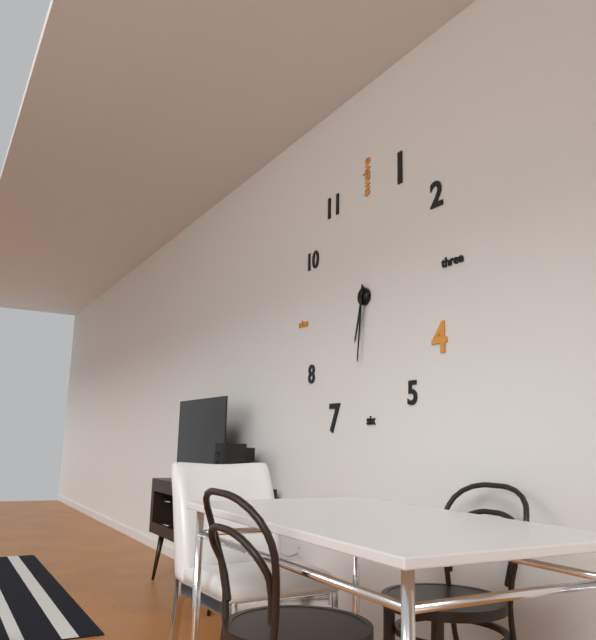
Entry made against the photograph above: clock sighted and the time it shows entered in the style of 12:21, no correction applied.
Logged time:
6:31
